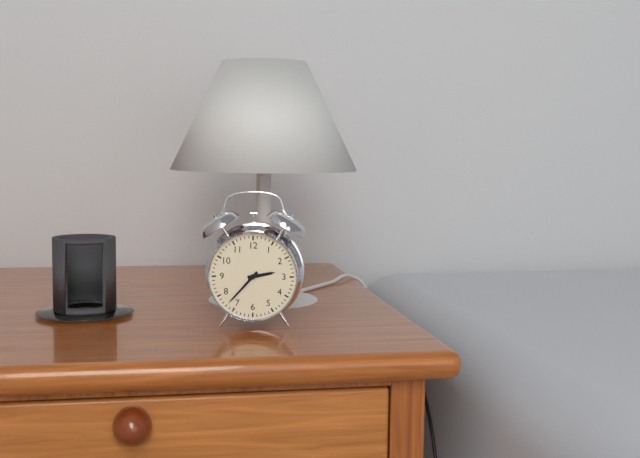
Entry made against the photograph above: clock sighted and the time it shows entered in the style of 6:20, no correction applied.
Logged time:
2:37
